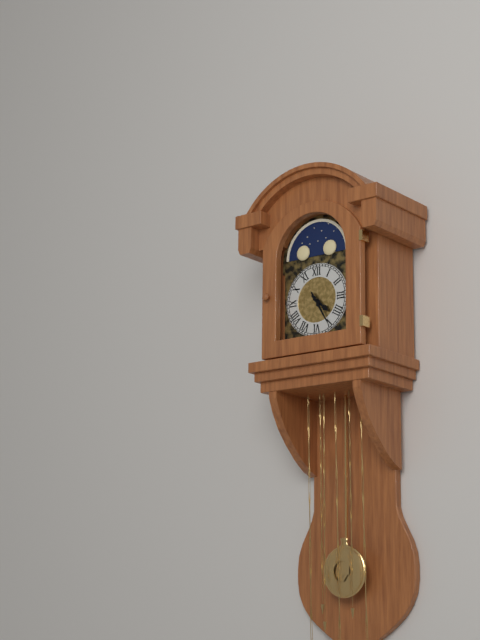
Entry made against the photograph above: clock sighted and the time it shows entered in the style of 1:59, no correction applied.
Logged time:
4:25
